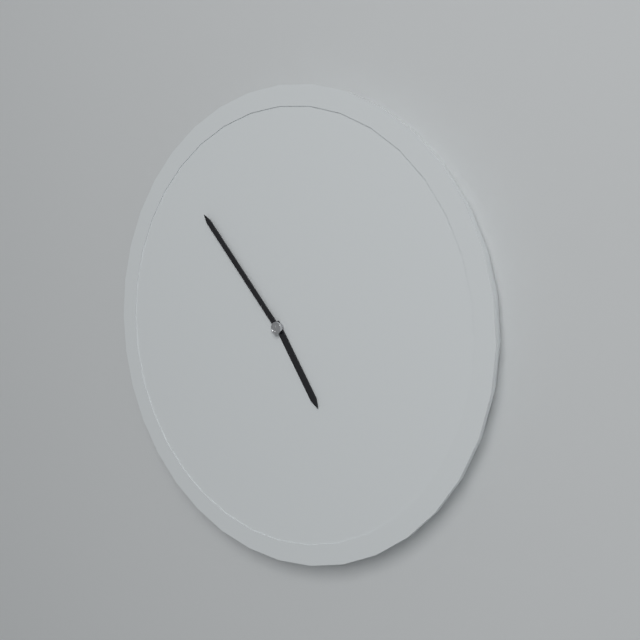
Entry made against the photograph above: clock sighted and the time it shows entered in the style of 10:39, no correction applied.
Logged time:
4:53
